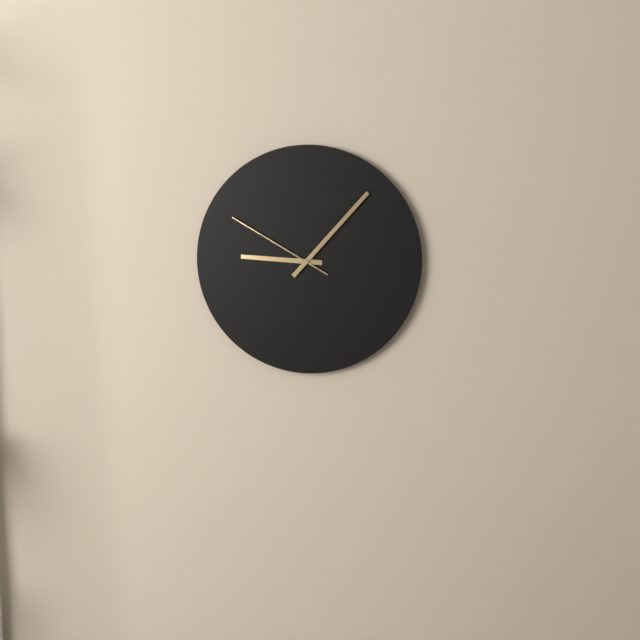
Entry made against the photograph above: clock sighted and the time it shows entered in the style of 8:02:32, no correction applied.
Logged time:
9:07:50
